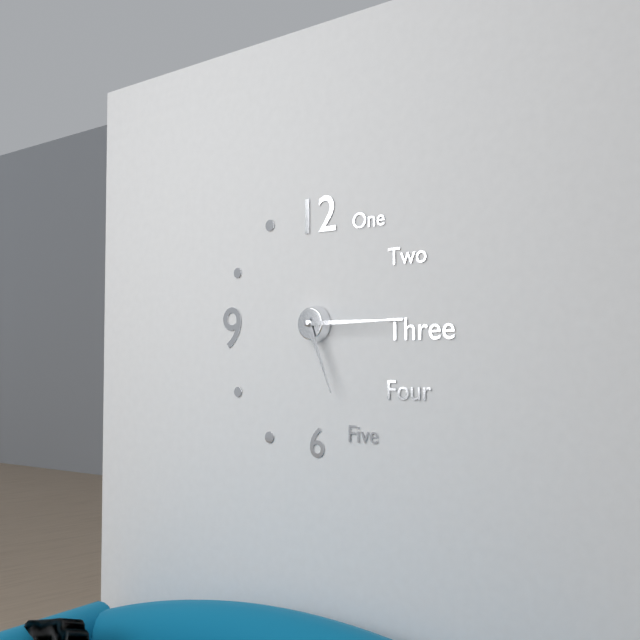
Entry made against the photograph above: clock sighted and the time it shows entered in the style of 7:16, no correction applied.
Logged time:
5:15
